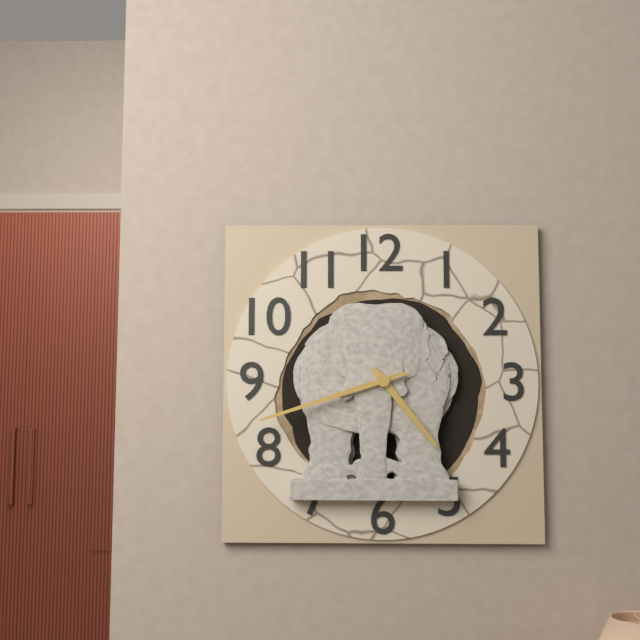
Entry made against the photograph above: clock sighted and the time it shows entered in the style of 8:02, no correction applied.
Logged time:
4:42
